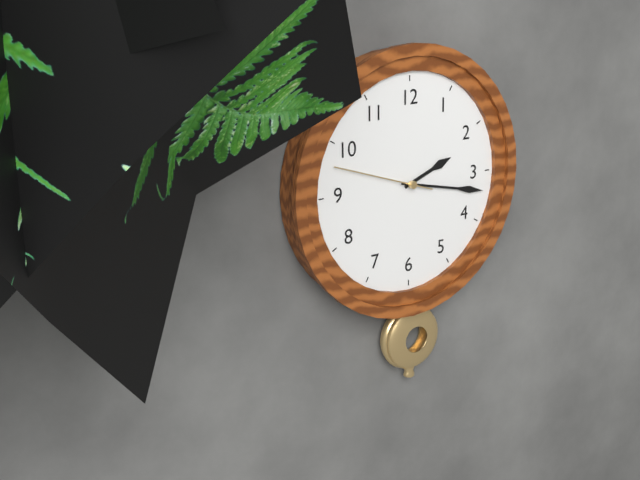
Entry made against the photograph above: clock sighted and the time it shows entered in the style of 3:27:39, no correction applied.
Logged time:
2:17:48
